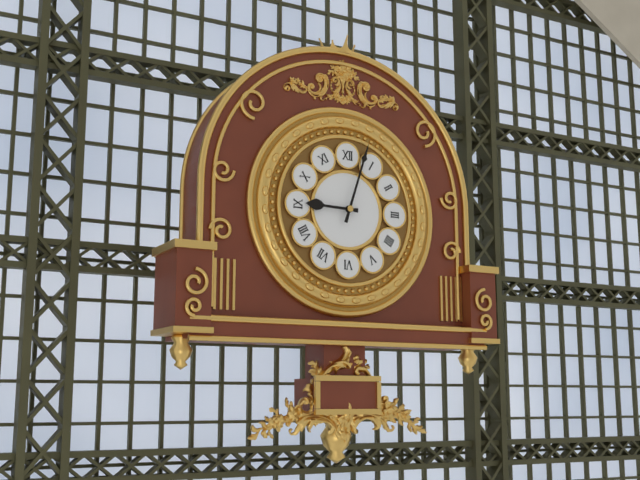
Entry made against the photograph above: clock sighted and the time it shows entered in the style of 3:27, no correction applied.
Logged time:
9:03
